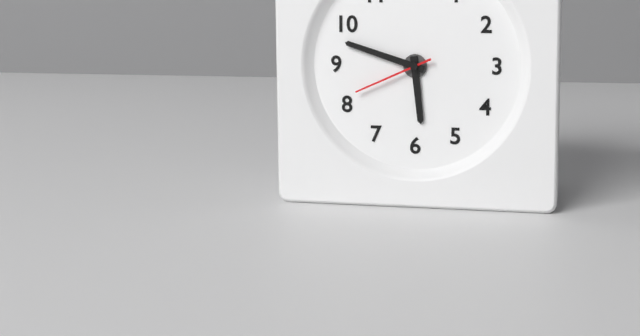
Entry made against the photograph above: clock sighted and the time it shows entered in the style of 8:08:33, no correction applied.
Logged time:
5:48:41
